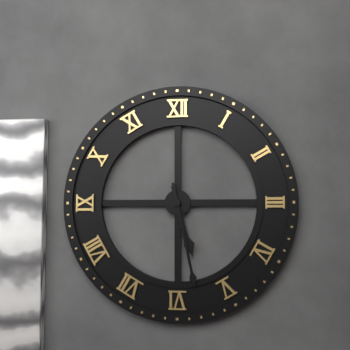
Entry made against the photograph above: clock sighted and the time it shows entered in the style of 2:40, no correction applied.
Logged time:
5:28
